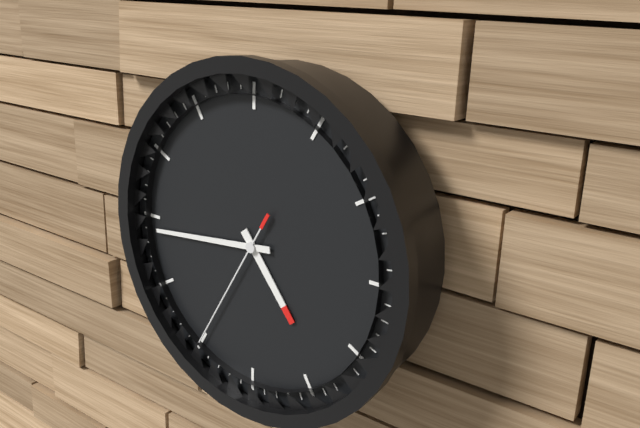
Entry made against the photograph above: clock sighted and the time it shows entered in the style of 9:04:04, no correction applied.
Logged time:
4:44:35
